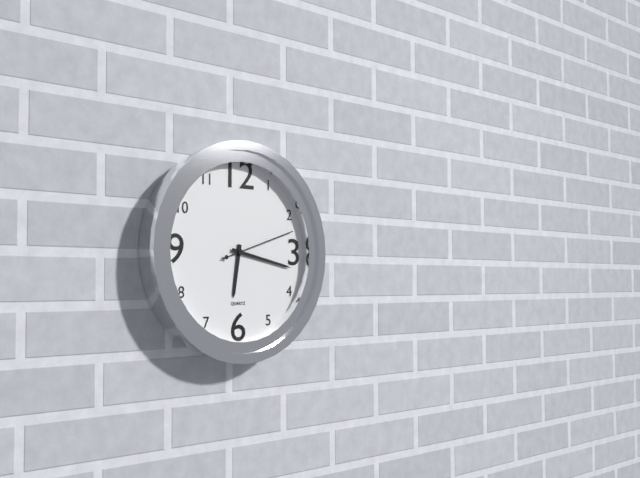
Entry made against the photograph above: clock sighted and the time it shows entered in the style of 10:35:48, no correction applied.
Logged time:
6:17:12
